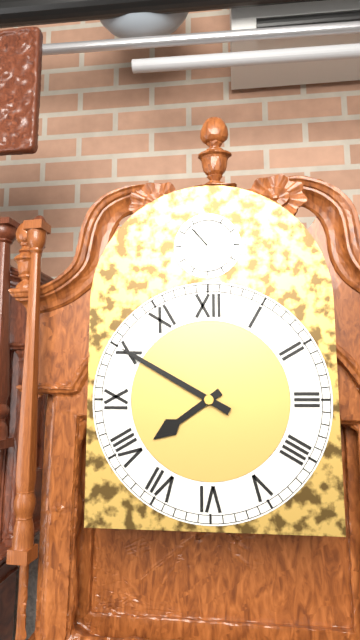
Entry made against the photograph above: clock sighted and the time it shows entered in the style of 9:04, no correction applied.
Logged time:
7:50
